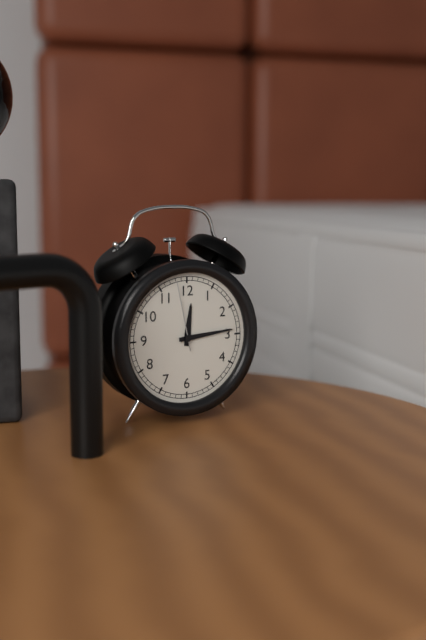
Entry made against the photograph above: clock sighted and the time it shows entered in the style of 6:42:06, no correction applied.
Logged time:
12:14:58
